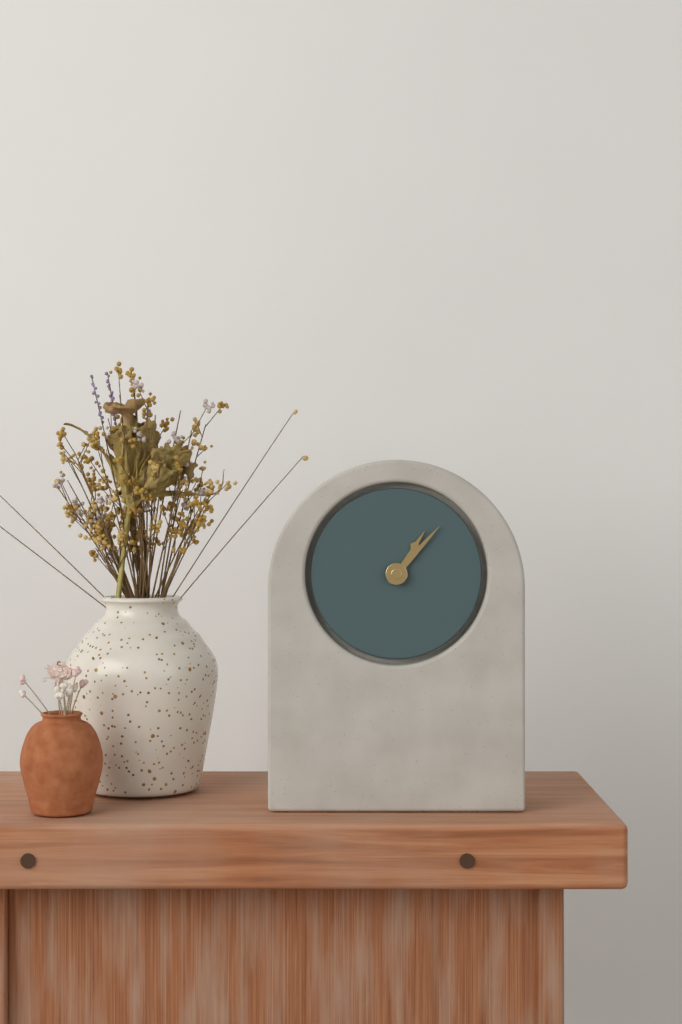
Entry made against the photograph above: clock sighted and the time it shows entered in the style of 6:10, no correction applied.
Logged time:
1:07
